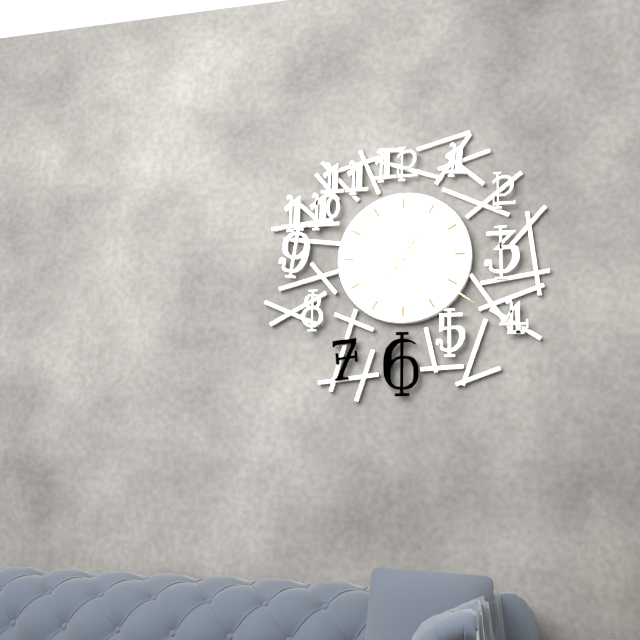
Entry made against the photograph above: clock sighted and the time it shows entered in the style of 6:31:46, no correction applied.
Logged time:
1:21:36
